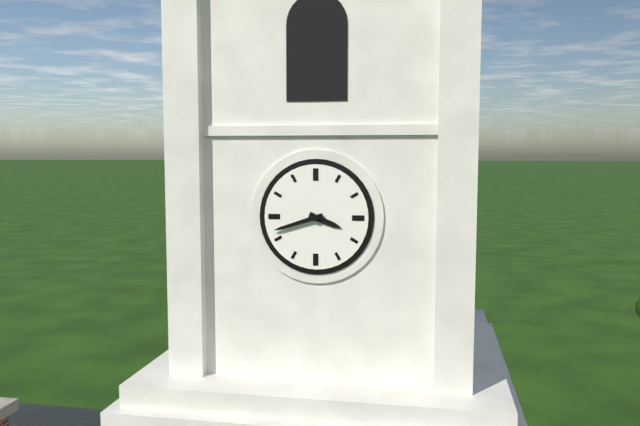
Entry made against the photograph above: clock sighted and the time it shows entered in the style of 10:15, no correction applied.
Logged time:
3:42
